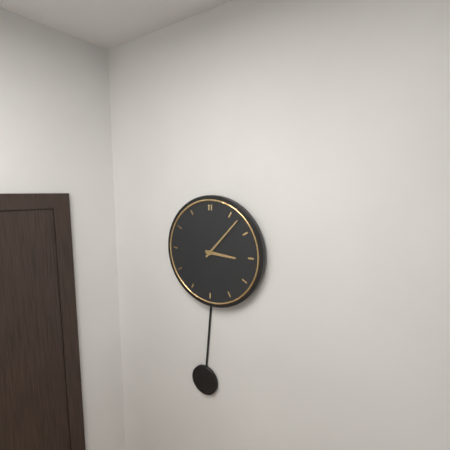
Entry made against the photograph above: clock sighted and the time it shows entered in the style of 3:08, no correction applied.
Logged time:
3:07
